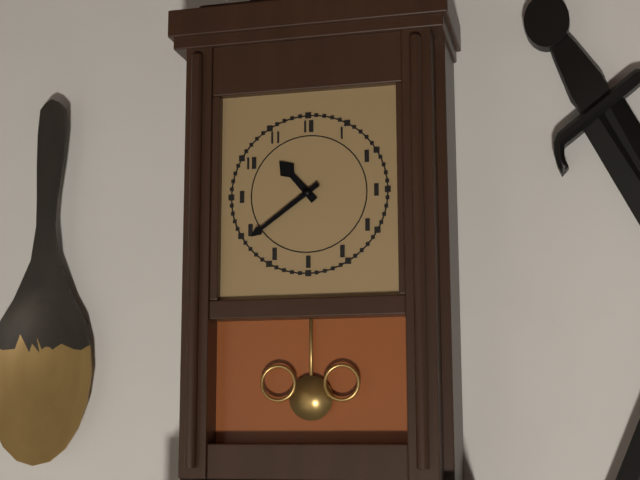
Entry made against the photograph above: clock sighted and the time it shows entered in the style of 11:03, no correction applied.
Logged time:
10:39
